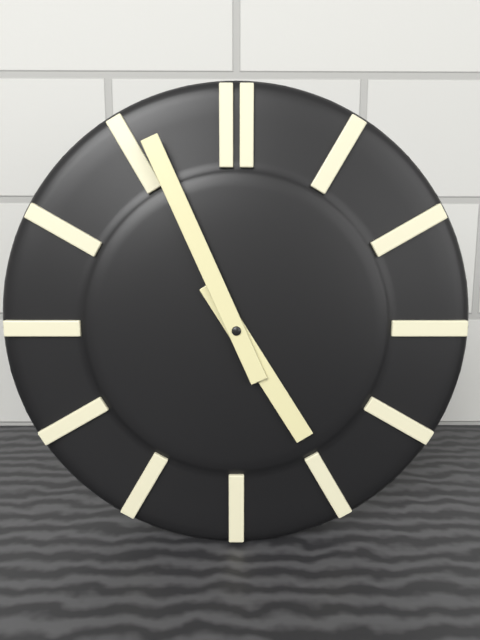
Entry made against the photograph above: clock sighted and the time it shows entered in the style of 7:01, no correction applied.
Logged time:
4:56
